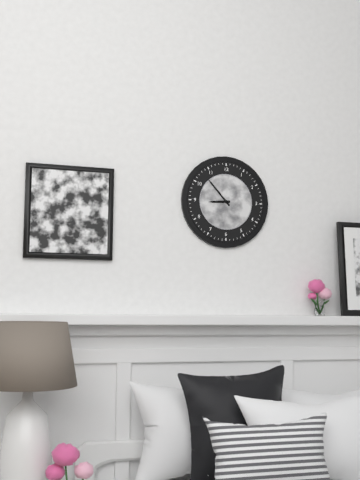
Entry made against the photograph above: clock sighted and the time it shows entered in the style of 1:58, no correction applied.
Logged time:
8:53
